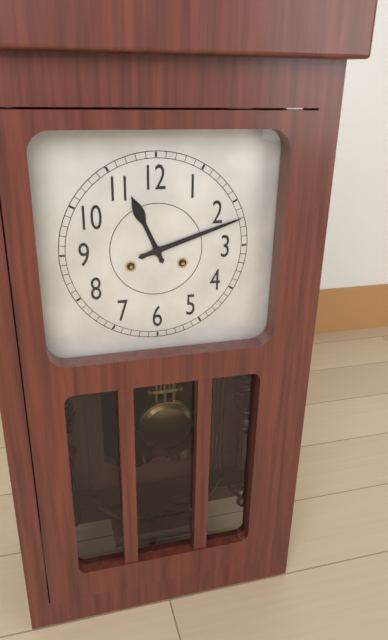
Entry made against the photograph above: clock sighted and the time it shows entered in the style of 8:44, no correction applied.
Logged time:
11:12
